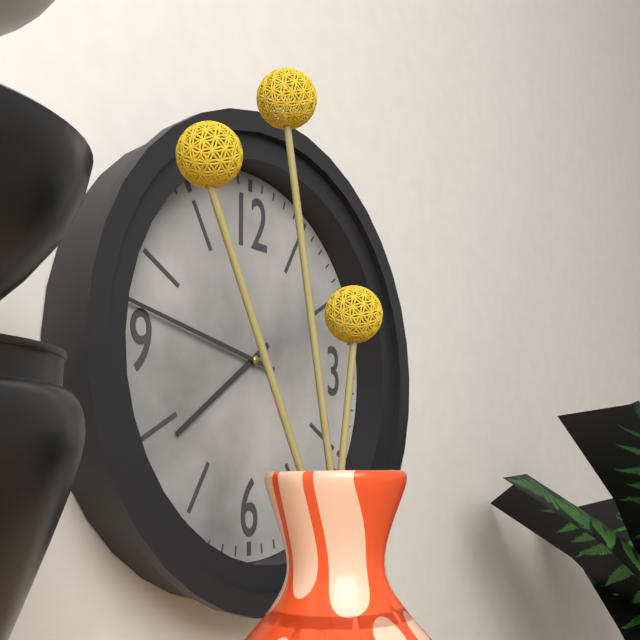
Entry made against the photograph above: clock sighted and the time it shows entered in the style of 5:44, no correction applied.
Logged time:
7:47
